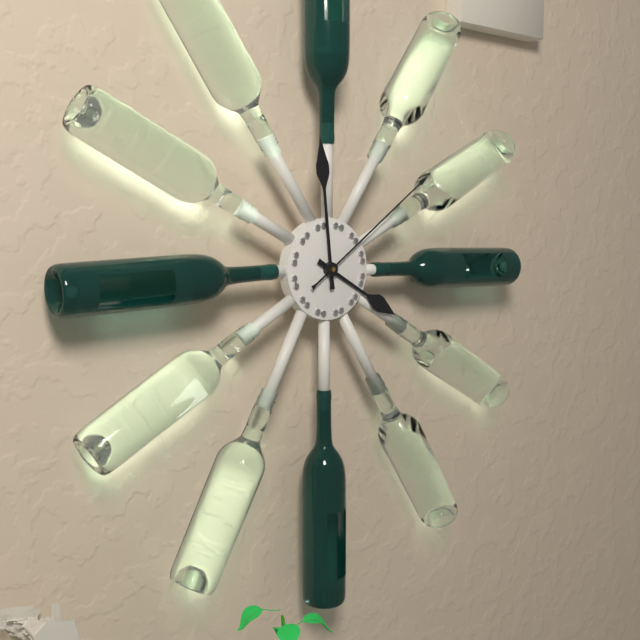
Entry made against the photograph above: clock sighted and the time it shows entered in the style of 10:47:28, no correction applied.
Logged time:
3:59:09
